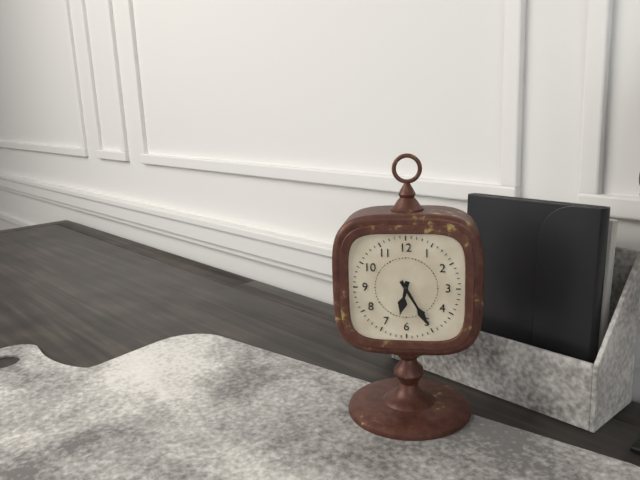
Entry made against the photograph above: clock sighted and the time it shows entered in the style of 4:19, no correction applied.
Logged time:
6:25
